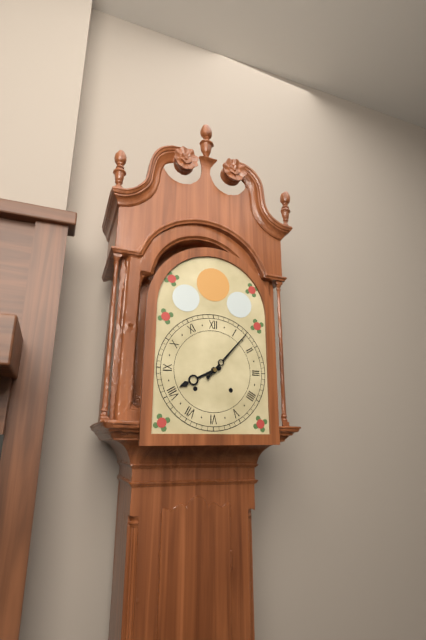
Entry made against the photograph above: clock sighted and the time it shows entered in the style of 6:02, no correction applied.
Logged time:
8:07
